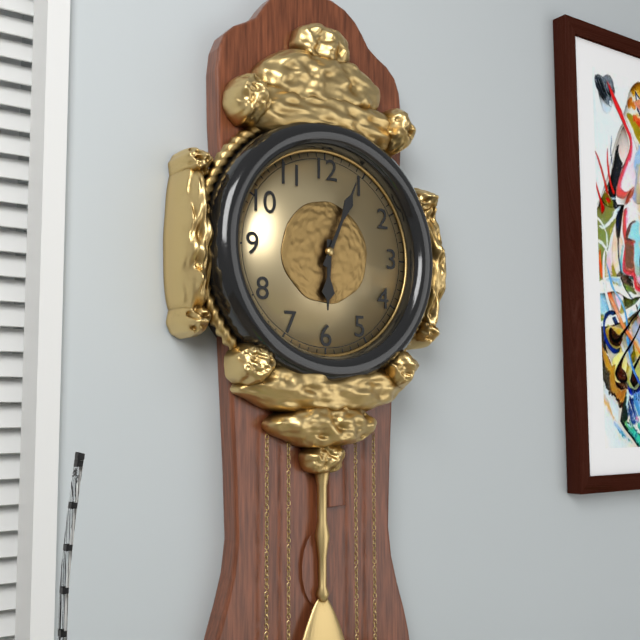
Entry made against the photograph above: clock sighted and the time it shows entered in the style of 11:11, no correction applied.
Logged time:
6:04
